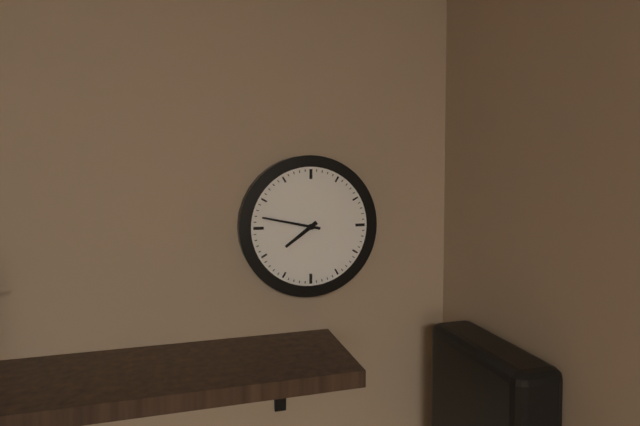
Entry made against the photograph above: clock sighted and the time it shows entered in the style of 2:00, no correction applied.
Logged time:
7:47
